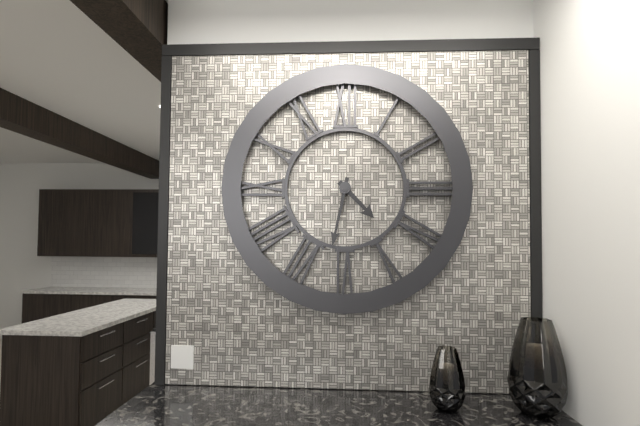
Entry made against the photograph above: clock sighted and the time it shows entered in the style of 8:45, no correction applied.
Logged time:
4:32
